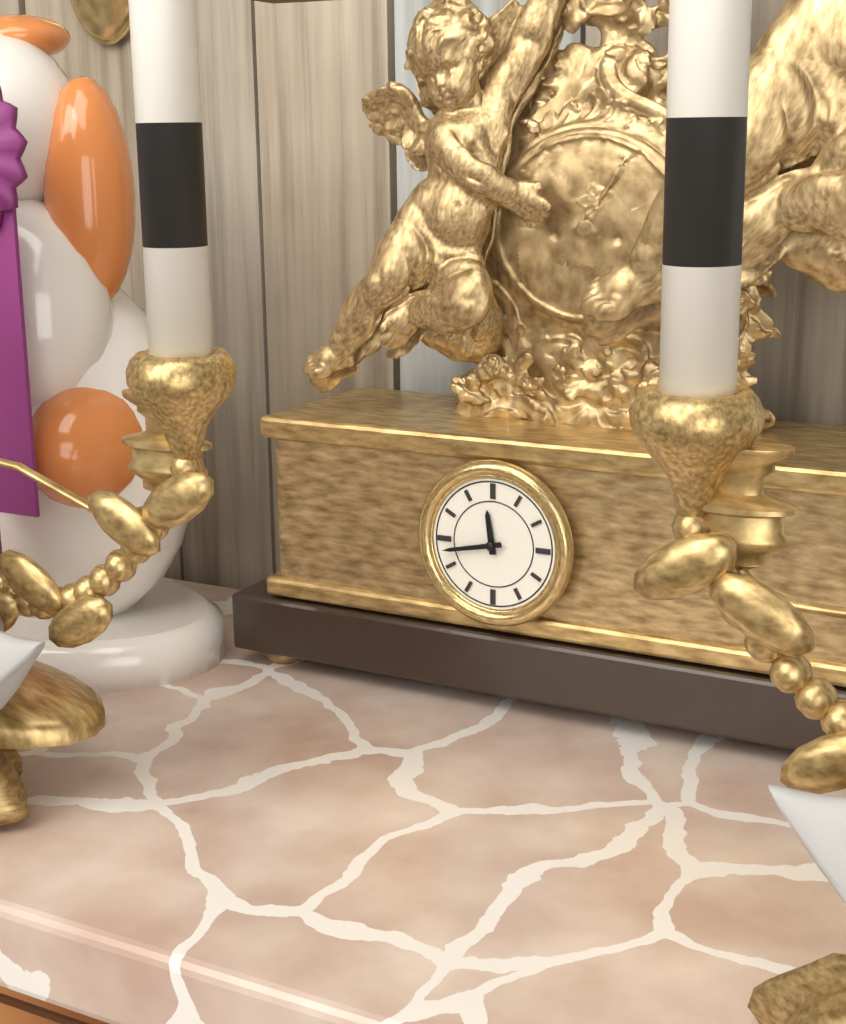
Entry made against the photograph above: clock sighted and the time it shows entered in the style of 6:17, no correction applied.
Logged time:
11:43
